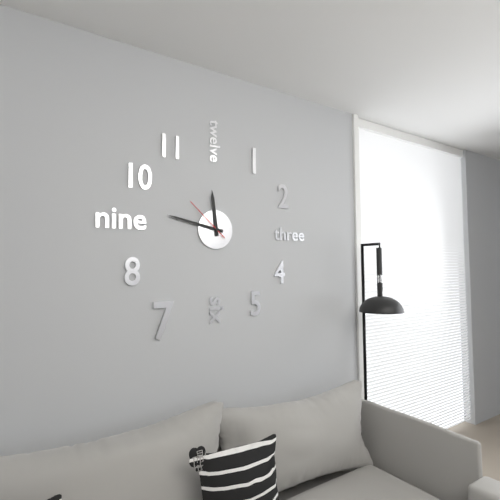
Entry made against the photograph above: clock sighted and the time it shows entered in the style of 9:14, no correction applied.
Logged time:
11:47
